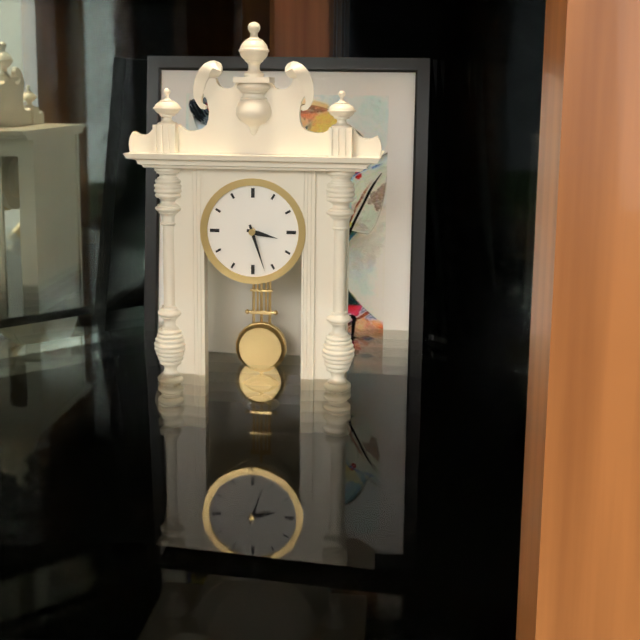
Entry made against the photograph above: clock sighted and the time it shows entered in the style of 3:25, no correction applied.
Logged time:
3:27
